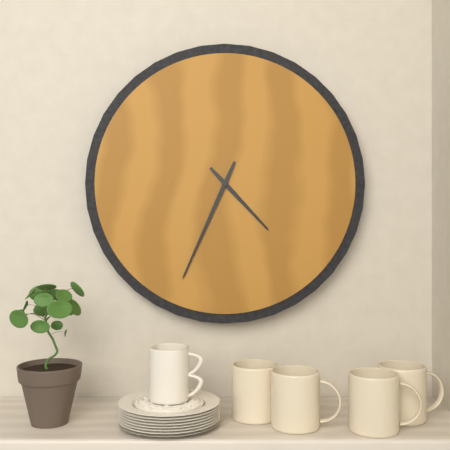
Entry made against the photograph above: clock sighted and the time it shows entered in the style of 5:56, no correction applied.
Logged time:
4:34
